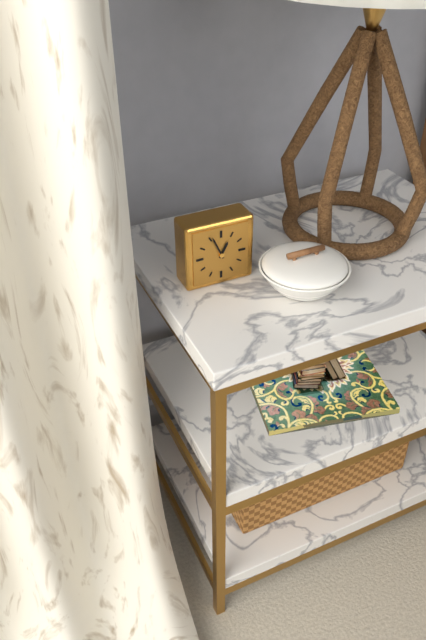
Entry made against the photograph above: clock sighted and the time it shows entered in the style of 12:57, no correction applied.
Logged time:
12:56
